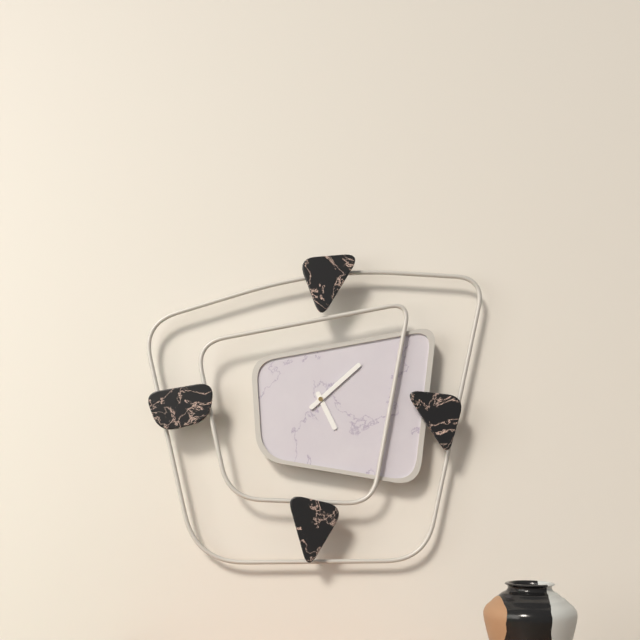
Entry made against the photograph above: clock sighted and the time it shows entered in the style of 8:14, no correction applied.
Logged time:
5:08
